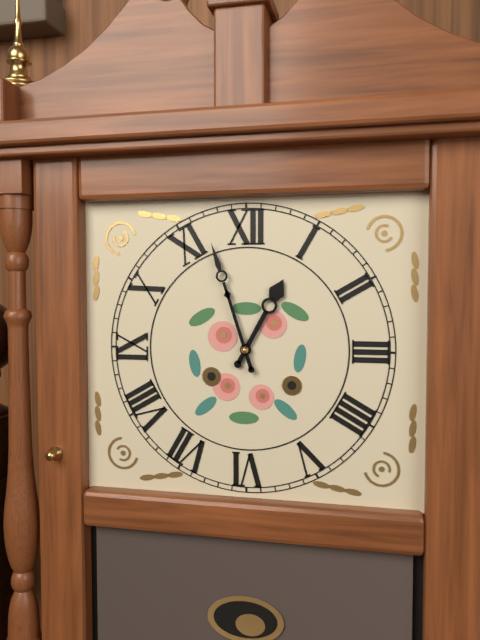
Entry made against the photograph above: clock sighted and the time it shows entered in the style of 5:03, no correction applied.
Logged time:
12:57
